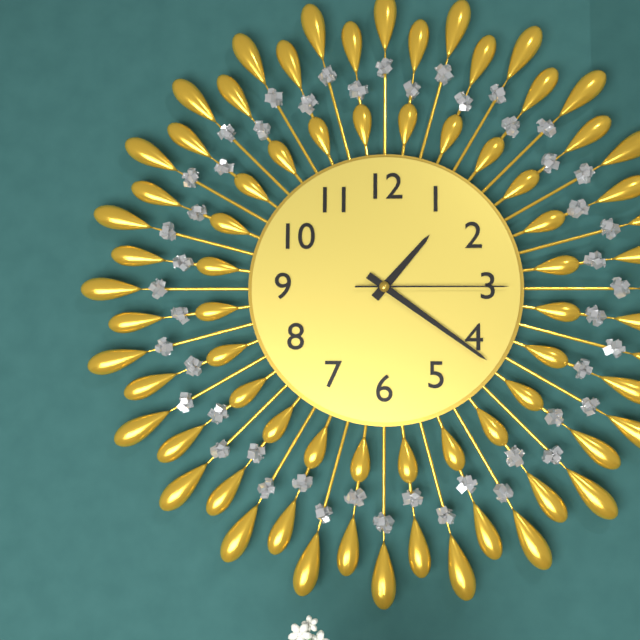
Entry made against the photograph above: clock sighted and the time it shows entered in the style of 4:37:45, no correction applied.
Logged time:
1:21:15
